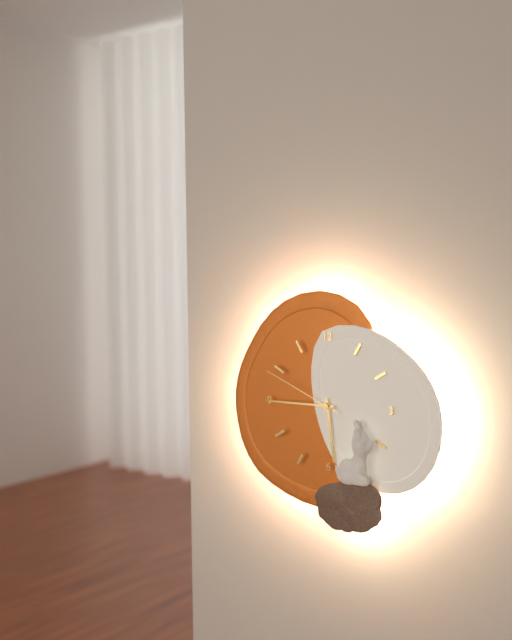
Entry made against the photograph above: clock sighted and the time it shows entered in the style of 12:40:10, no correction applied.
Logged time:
5:45:49
